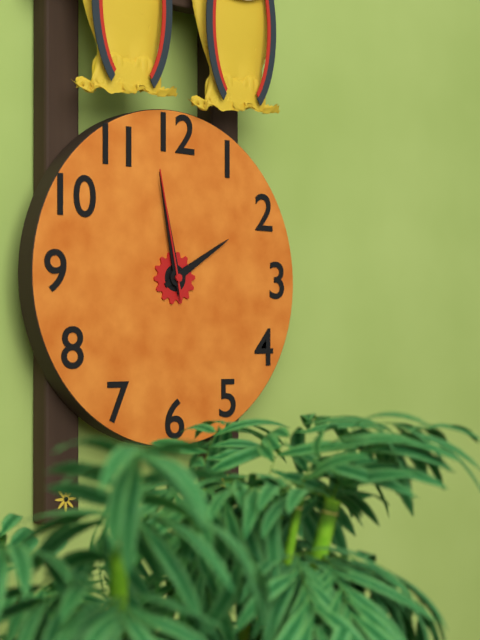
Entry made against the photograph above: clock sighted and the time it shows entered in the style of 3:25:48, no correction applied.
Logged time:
1:58:58
